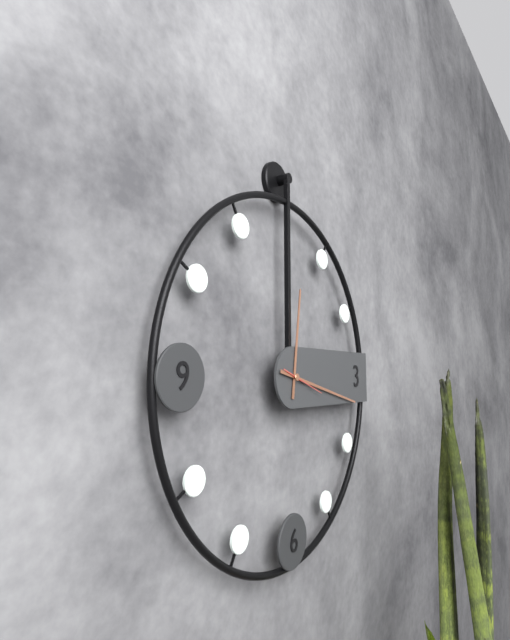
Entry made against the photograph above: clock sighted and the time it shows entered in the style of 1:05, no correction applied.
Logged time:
12:17
